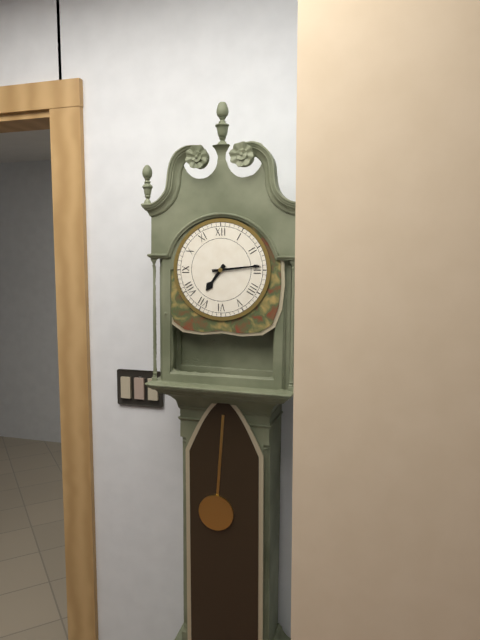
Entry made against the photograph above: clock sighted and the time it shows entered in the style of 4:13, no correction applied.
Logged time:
7:14
